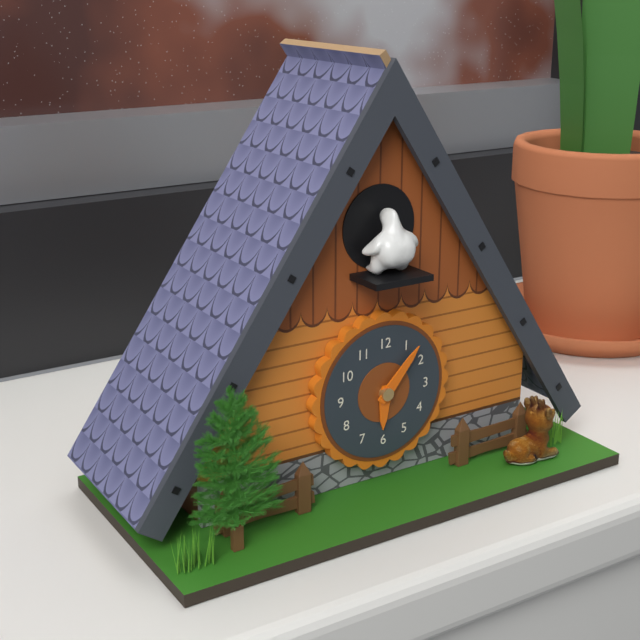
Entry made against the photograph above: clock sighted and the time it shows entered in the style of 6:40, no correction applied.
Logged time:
6:07
